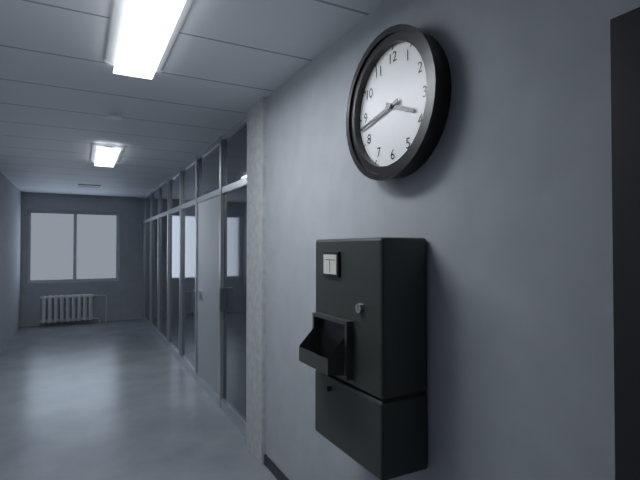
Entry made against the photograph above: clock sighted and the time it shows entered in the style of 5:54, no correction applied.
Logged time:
3:43
